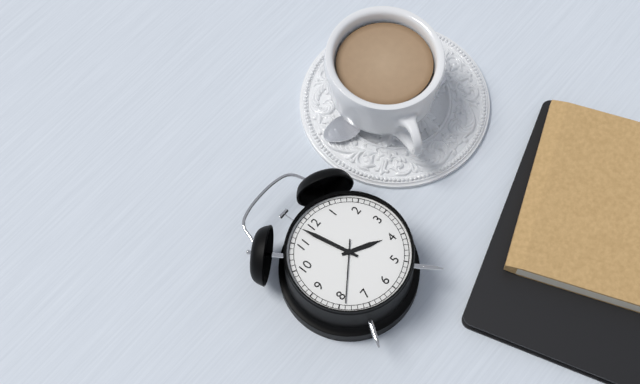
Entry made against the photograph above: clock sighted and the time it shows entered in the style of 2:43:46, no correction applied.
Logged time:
3:58:39
